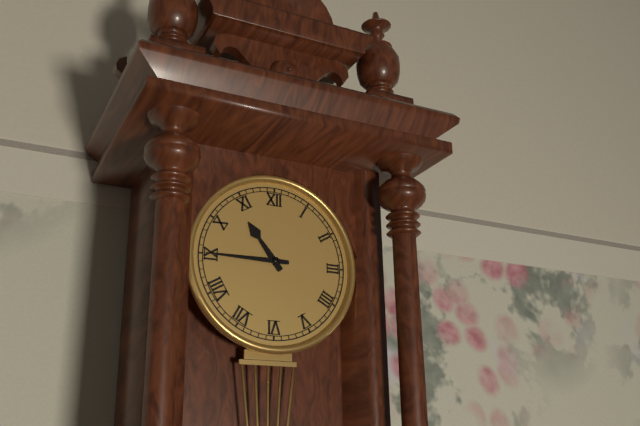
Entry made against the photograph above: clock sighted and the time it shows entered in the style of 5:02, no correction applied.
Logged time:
10:45
